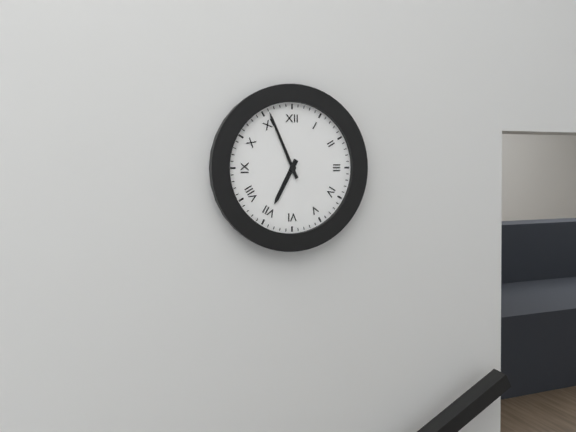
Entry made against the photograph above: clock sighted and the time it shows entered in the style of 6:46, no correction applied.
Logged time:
6:56
